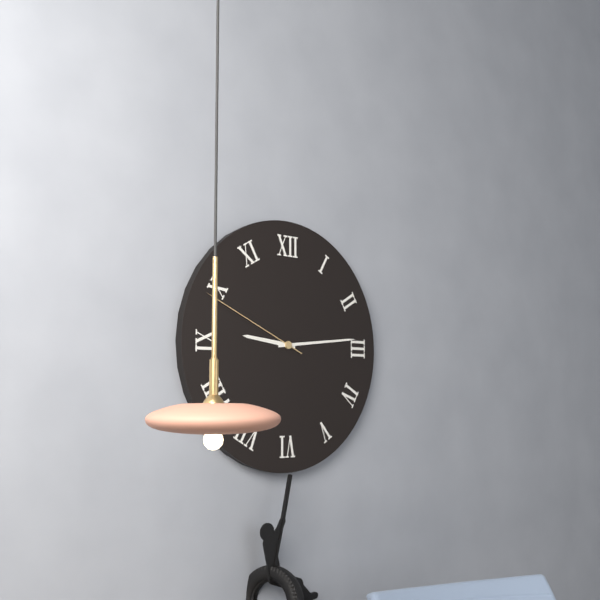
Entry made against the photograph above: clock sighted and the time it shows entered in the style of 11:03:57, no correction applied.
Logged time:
9:14:49
